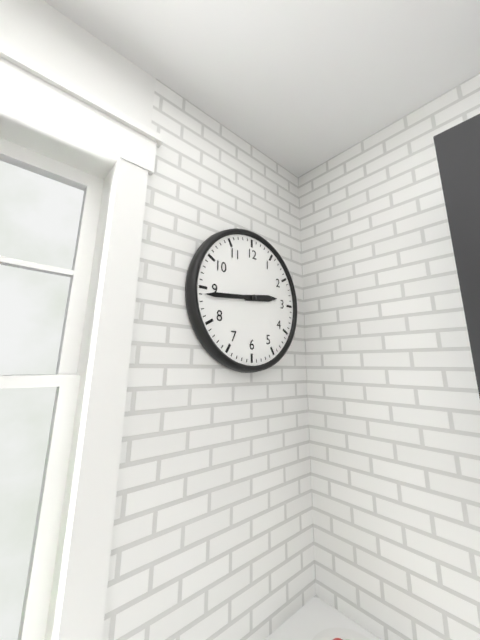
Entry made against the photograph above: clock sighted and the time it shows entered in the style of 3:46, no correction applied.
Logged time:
2:44
